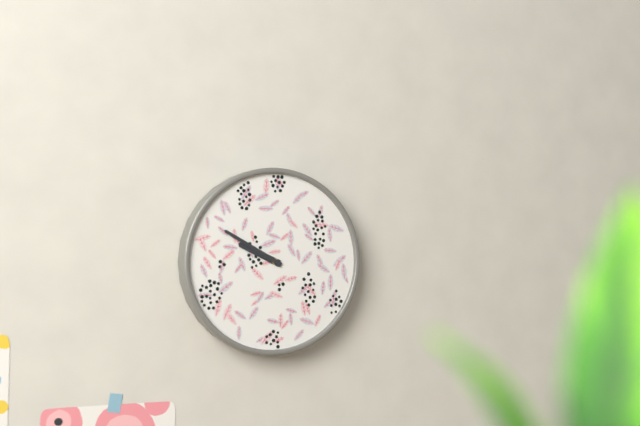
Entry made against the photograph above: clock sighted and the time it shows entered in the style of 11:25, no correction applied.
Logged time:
9:50
